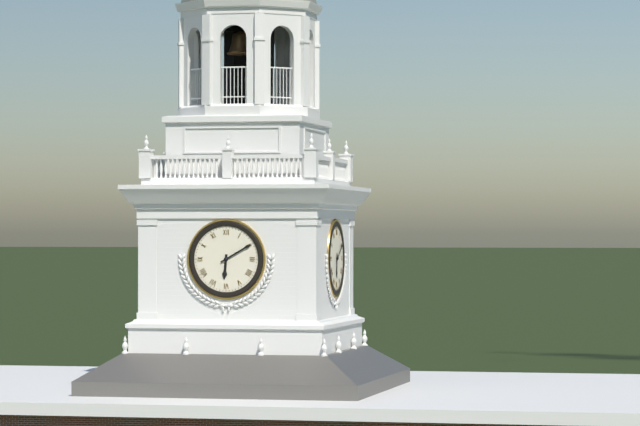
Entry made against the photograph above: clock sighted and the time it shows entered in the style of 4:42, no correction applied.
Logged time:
6:10
